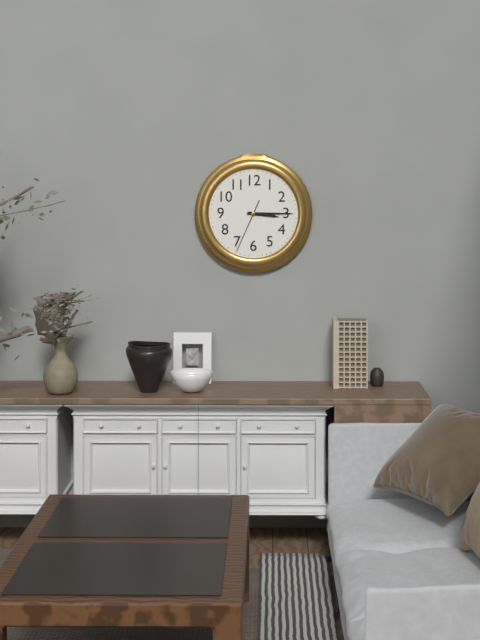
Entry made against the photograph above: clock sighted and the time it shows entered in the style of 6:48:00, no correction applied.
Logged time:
3:15:34
